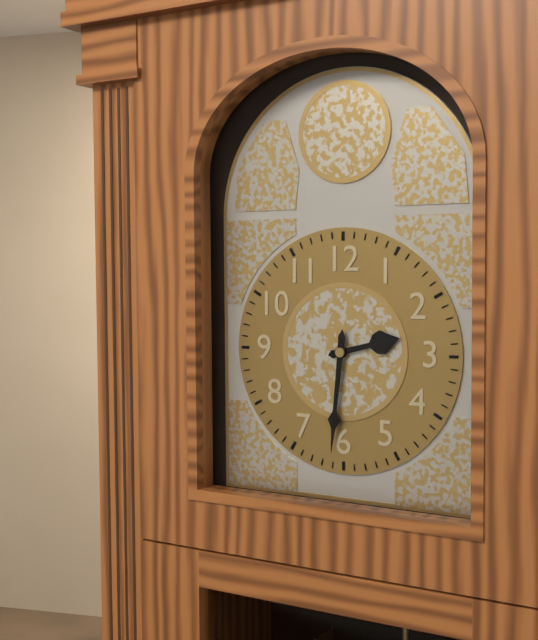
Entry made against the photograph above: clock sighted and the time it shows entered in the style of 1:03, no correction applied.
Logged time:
2:31
